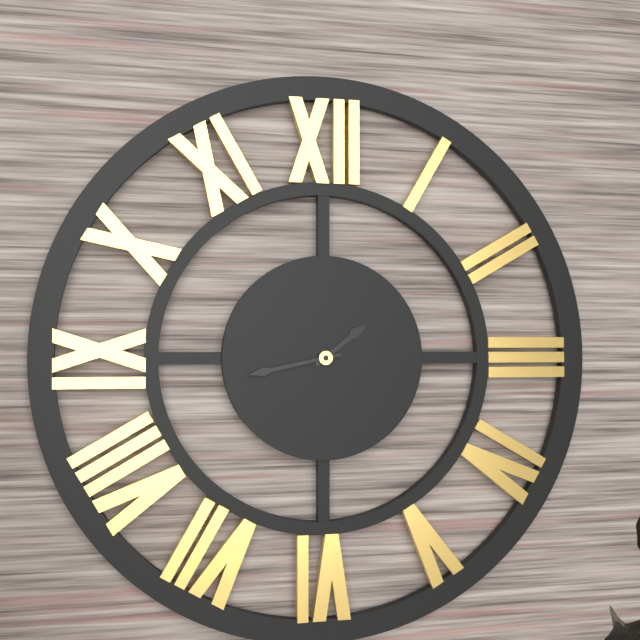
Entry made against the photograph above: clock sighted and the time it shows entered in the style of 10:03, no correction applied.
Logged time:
1:43
